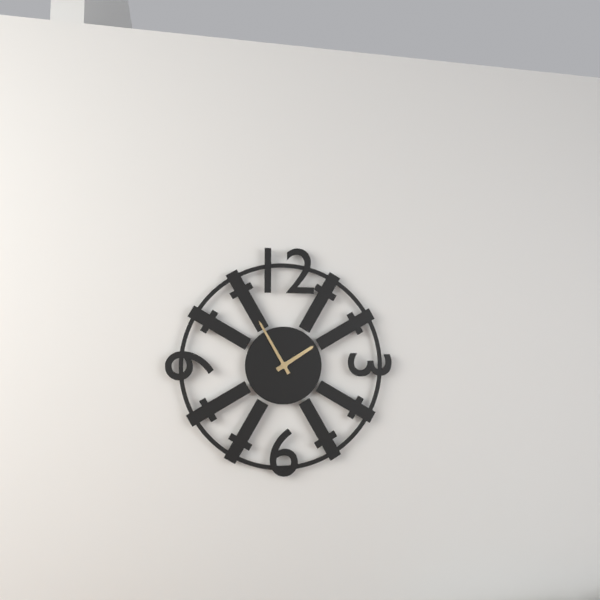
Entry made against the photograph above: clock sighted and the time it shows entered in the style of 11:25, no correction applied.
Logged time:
1:55
